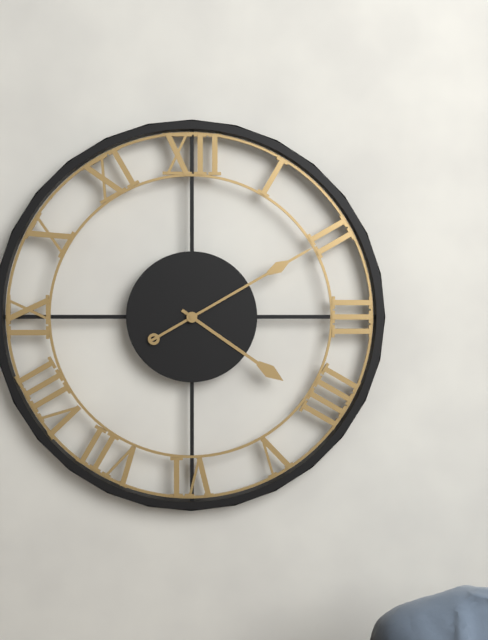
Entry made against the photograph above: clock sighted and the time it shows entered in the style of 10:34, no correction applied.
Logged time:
4:10
